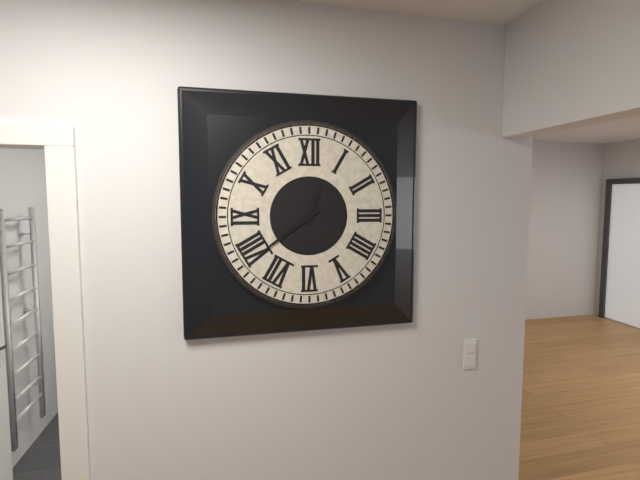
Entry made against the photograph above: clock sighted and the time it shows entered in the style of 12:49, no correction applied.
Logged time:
12:39
